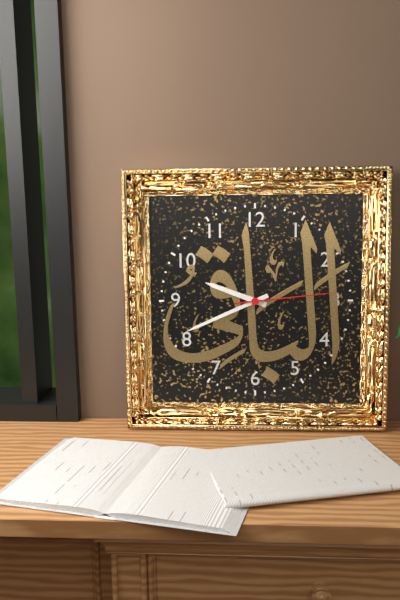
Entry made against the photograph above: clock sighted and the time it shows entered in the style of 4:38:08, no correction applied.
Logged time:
9:41:14
